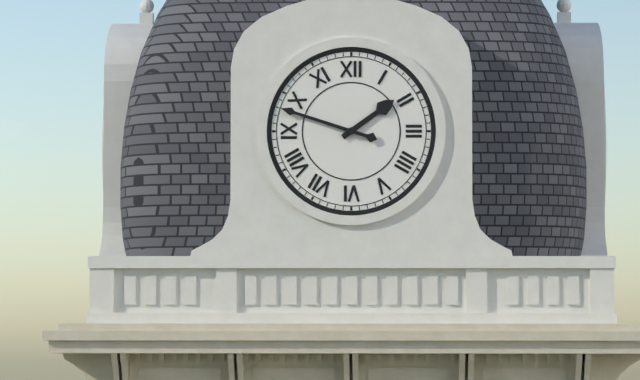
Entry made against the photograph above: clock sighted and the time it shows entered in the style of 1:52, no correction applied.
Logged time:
1:48
